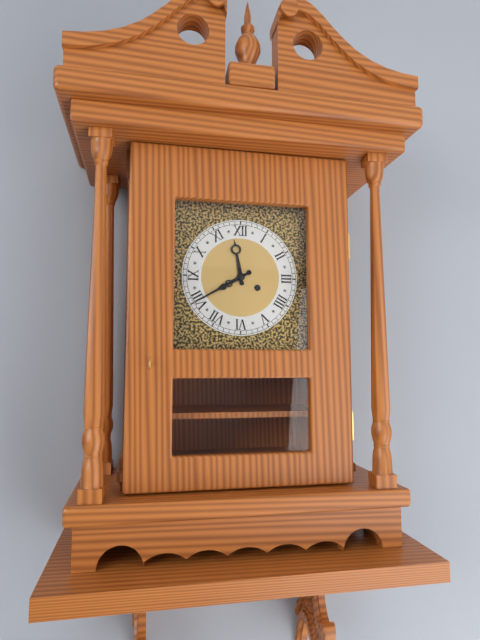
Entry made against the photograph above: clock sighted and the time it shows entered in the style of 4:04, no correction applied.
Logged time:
11:40
